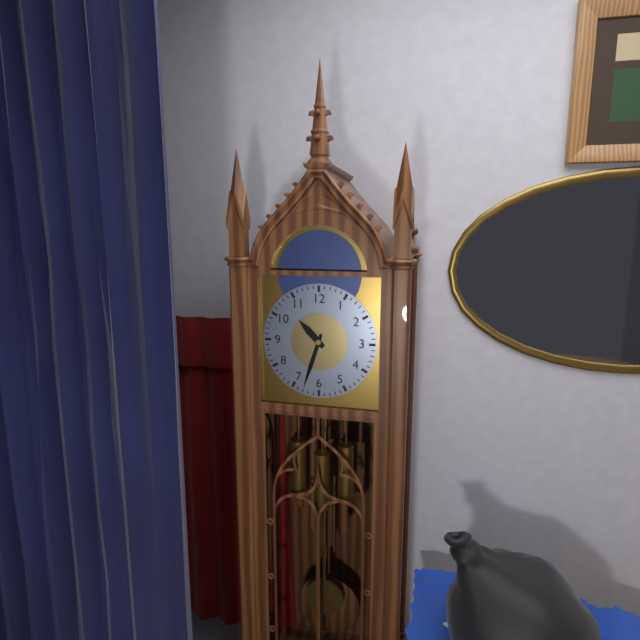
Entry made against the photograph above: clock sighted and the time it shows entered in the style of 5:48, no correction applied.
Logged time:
10:33
